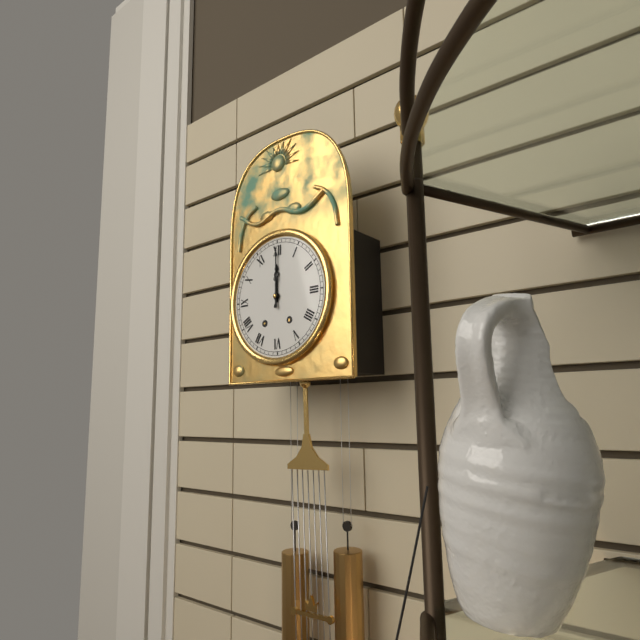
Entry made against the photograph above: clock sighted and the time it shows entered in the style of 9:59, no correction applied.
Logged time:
12:00
